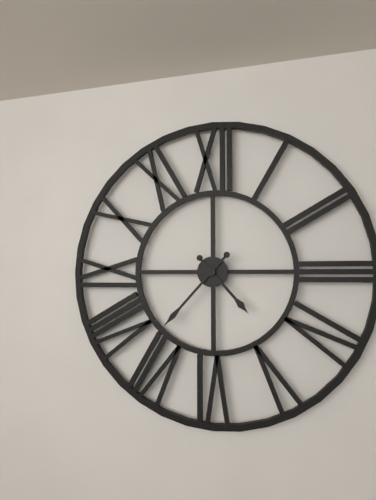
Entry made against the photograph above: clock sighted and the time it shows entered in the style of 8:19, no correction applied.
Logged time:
4:37
